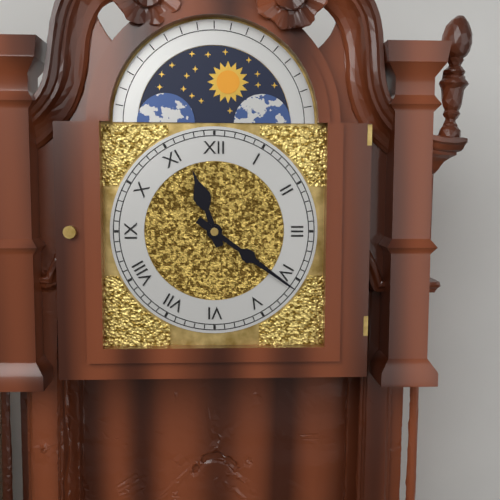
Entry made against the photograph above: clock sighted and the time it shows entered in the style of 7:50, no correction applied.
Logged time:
11:21
